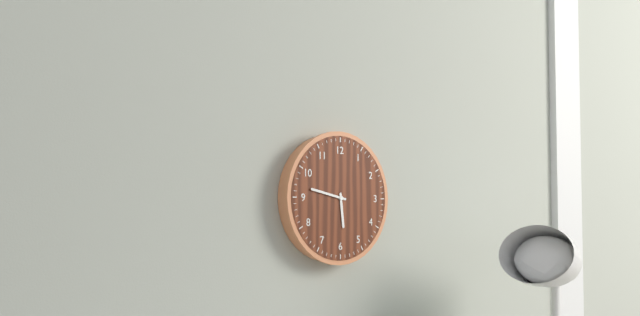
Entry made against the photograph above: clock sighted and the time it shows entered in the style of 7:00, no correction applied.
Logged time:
5:47
